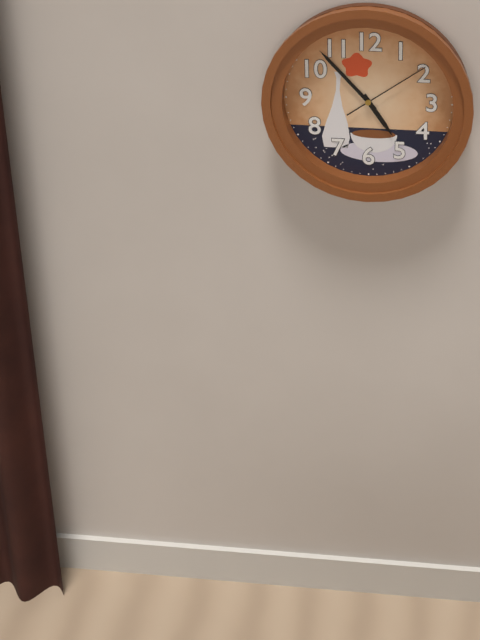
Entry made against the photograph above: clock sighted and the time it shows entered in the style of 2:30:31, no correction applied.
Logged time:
4:53:09
